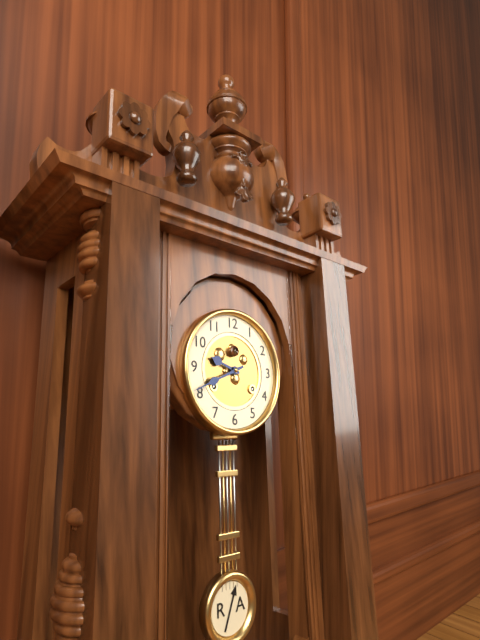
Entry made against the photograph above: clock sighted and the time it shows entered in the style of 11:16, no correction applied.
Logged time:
9:41
